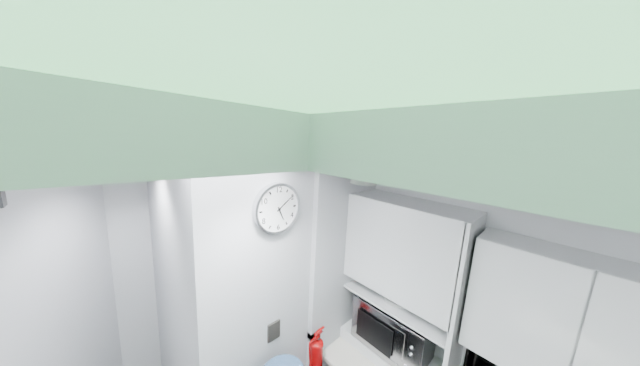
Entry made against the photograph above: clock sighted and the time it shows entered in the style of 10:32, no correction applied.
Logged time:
5:09
